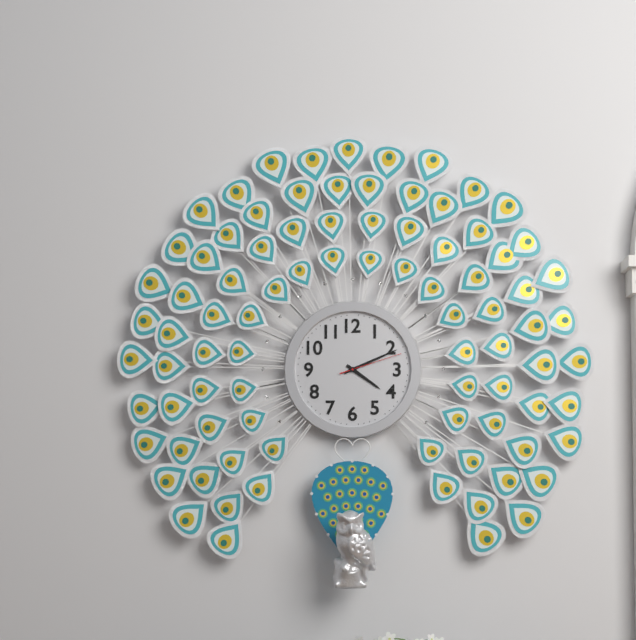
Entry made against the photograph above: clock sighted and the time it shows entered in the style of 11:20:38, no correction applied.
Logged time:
4:11:12
